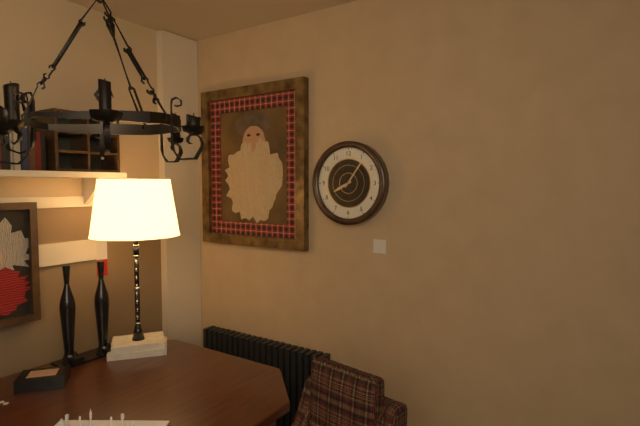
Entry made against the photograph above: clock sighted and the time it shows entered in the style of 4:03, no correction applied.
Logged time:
8:06
